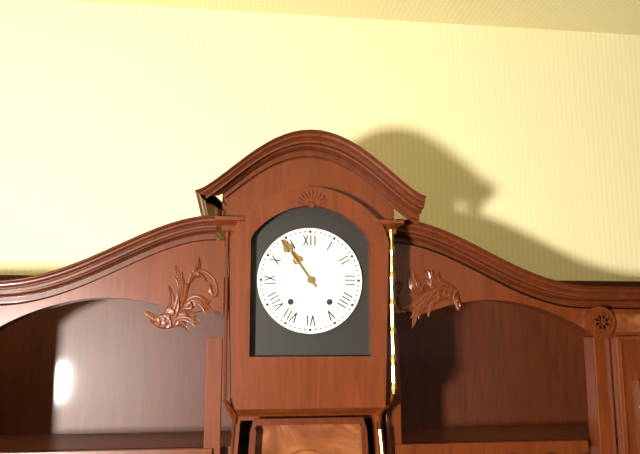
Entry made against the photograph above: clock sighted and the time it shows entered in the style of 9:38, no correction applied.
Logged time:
10:54
